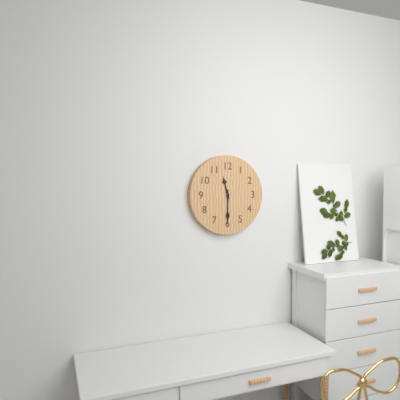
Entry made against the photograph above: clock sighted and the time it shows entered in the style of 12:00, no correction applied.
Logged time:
11:30
